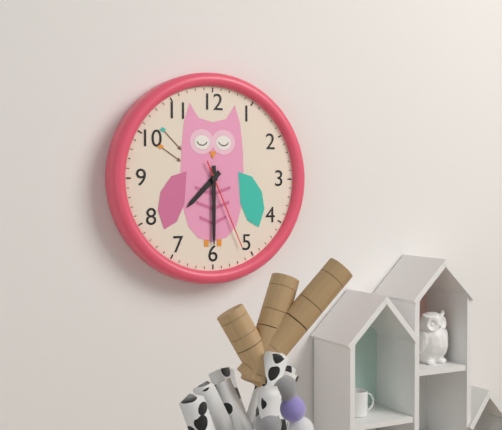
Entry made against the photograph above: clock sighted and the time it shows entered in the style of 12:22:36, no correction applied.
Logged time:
7:30:26
